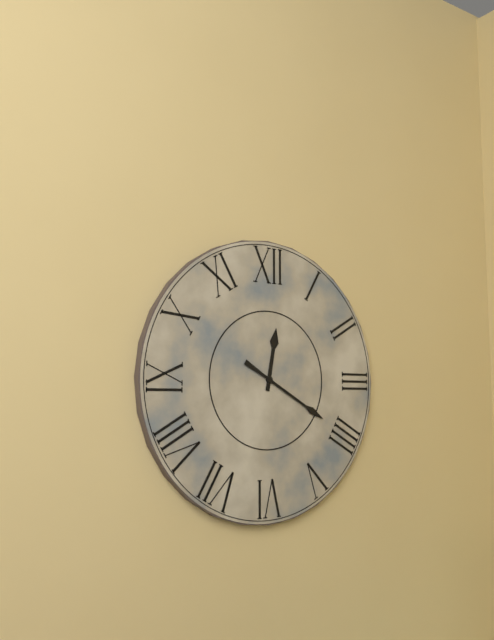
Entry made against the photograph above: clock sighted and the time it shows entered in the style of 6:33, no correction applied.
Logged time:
12:20
